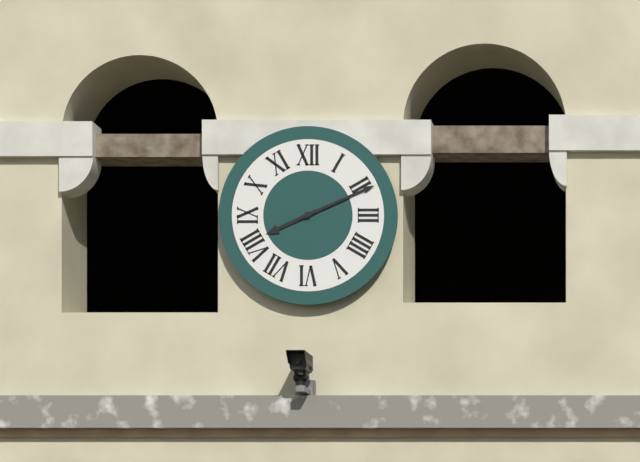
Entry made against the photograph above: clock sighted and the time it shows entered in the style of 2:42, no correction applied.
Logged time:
8:11
